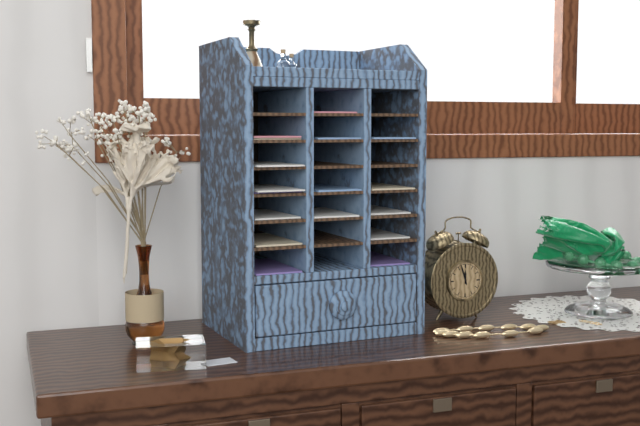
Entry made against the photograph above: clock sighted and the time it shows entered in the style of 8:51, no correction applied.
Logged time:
11:57
